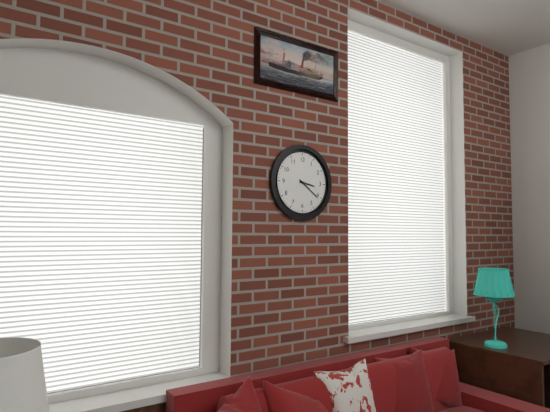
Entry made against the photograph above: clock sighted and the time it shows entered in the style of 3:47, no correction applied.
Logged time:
3:21
